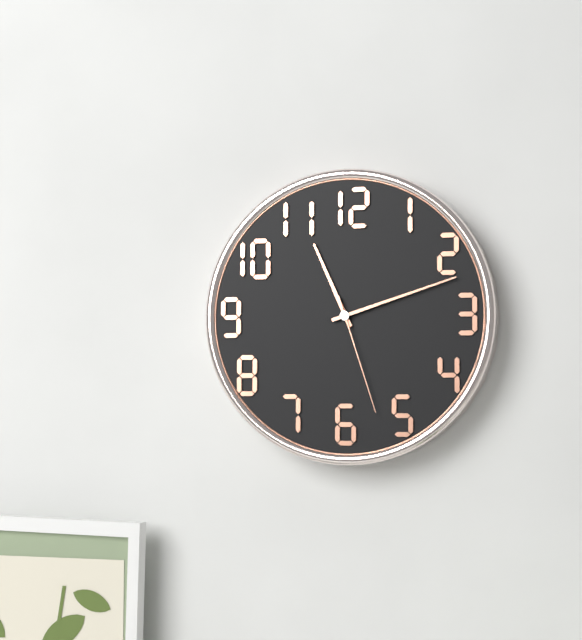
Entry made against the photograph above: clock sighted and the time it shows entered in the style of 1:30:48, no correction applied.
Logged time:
11:12:27
